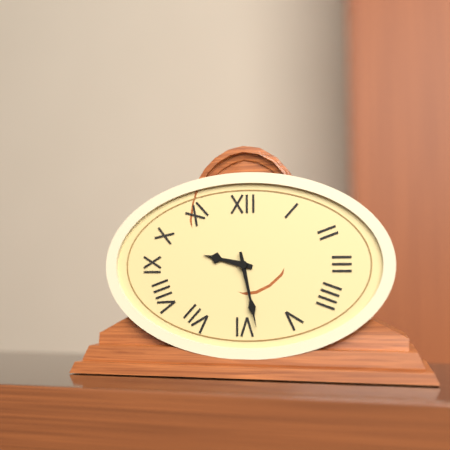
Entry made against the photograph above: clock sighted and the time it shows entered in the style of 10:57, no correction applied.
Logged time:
9:28
